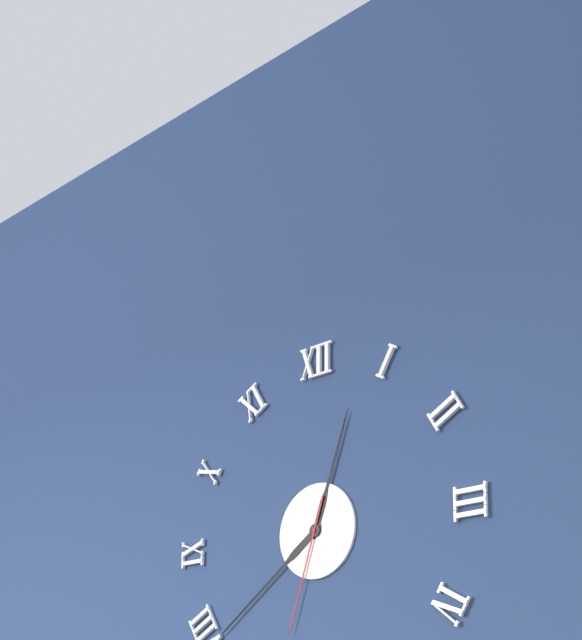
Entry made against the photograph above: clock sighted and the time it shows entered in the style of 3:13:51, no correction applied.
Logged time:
12:39:33
